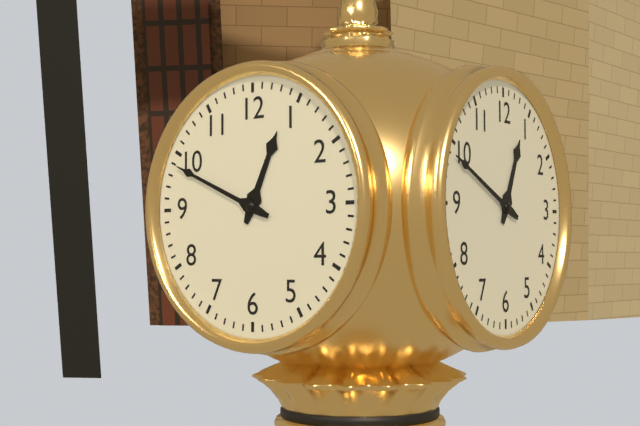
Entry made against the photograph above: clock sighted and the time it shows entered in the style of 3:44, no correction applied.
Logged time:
12:49
